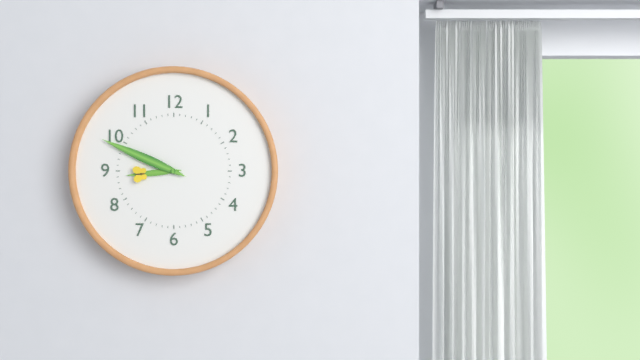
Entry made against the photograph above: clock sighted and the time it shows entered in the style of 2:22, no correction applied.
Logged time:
8:49
